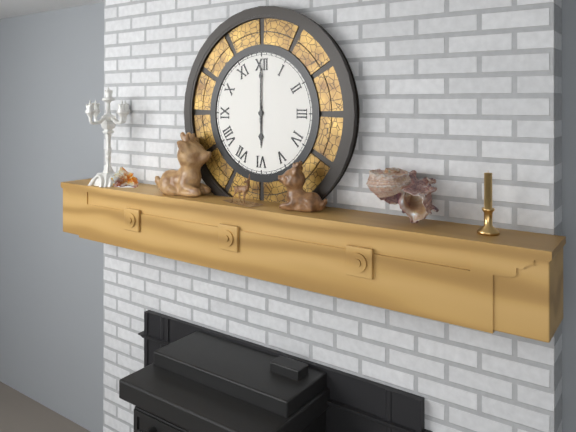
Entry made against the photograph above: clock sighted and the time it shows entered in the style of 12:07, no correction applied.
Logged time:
6:00
